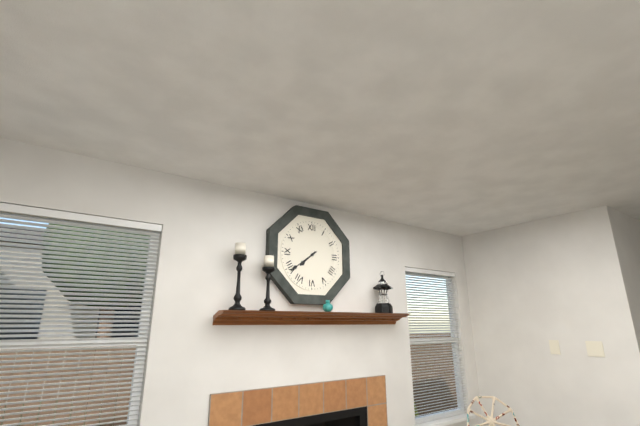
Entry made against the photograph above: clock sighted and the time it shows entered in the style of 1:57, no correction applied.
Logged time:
7:39
